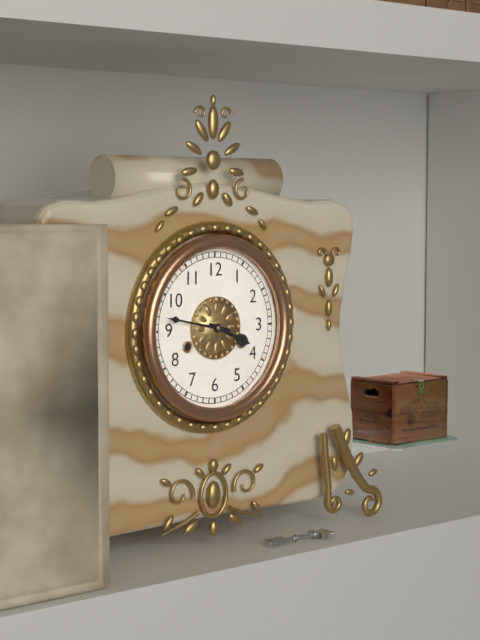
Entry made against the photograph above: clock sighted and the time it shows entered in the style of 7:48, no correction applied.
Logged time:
3:47
